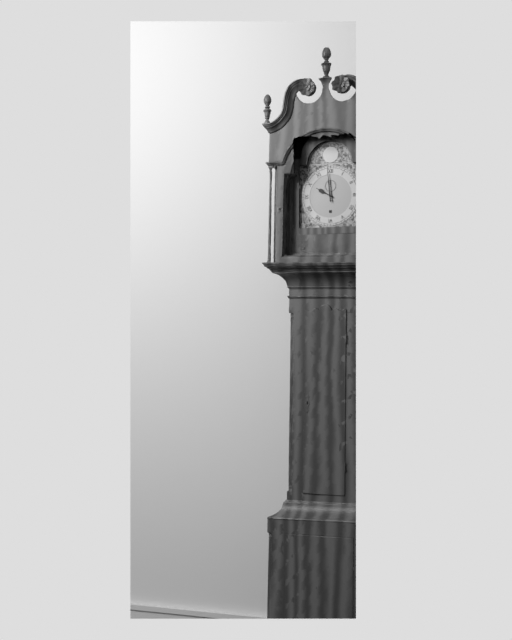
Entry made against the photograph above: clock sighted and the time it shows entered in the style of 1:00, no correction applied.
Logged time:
9:59
